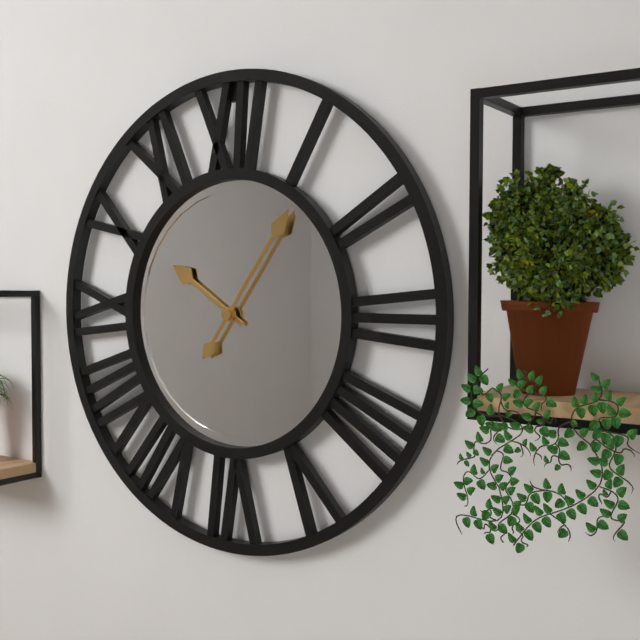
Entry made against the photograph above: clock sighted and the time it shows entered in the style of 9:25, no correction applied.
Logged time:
10:06
